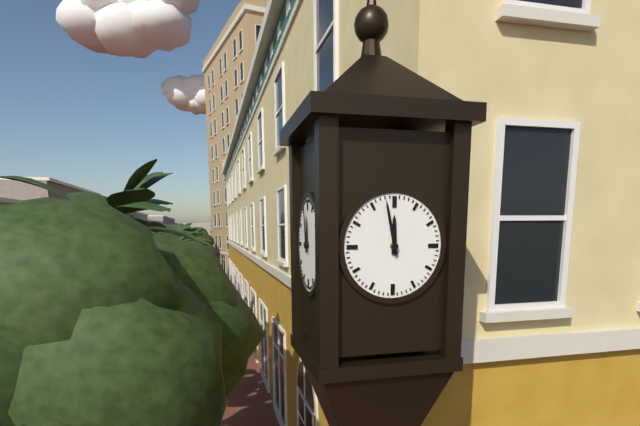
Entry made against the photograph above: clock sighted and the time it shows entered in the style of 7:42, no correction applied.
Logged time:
11:58
